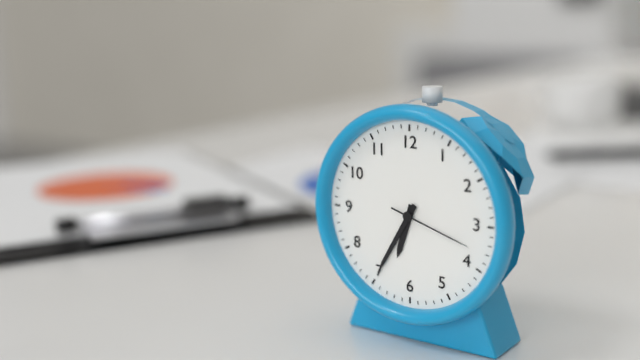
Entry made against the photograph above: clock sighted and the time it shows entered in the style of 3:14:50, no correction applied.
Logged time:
6:35:18
